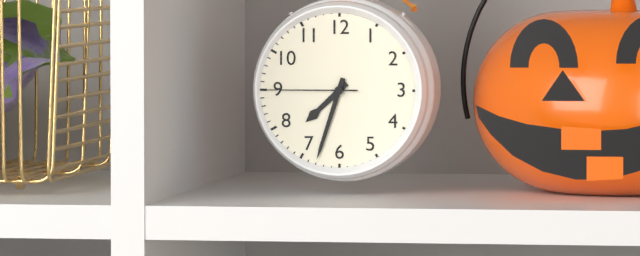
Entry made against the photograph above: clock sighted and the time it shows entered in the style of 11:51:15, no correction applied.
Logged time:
7:33:45
